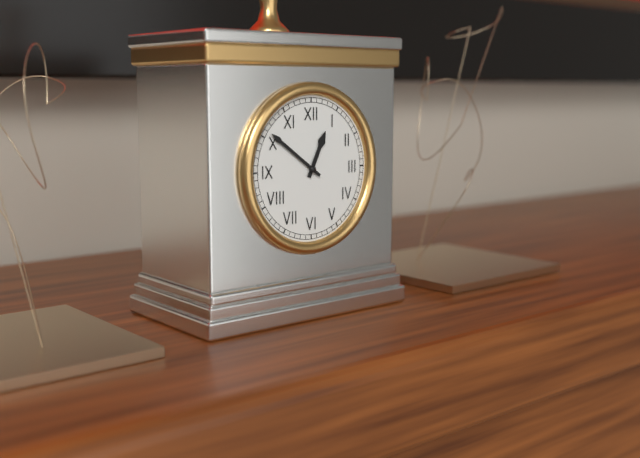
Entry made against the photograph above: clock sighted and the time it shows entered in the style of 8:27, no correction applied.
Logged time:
12:51
